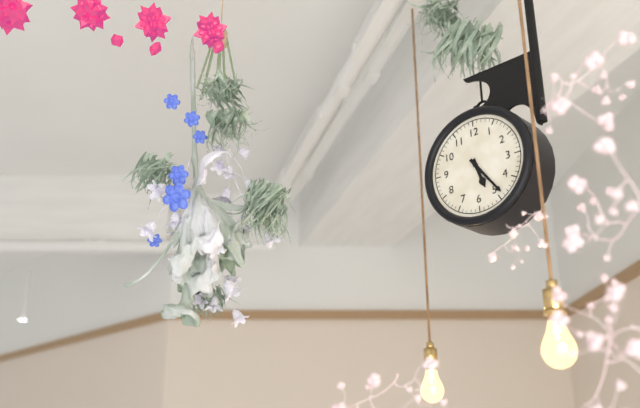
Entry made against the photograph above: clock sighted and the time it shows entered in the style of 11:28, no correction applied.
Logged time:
5:24
